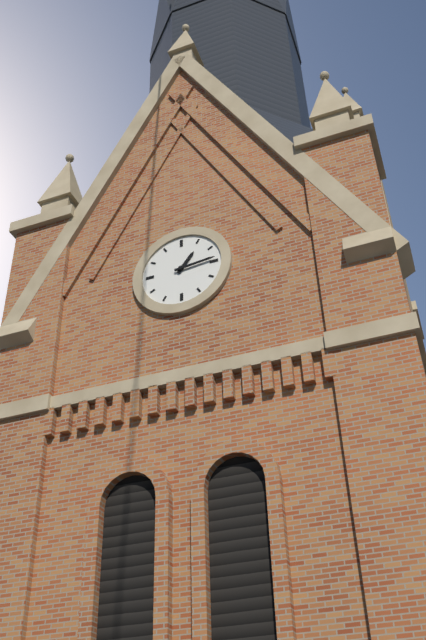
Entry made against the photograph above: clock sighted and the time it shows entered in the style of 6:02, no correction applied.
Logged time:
1:14
